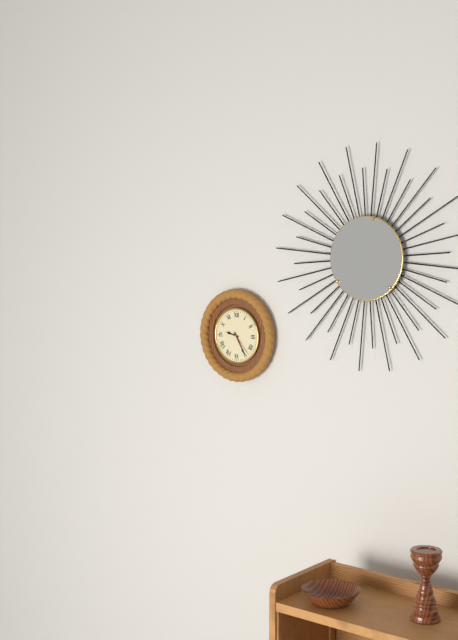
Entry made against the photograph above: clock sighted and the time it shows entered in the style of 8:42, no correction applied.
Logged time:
9:25
